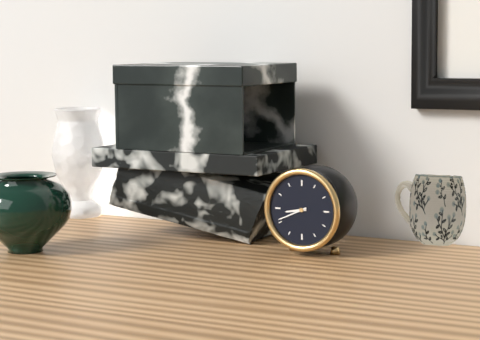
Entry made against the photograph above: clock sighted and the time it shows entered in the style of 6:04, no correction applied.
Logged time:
8:41
